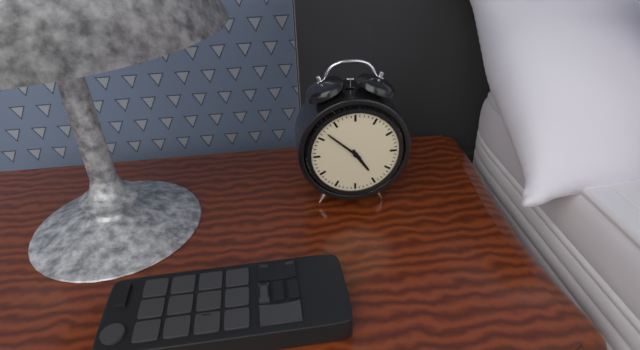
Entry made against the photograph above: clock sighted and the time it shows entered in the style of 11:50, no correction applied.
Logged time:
4:52
